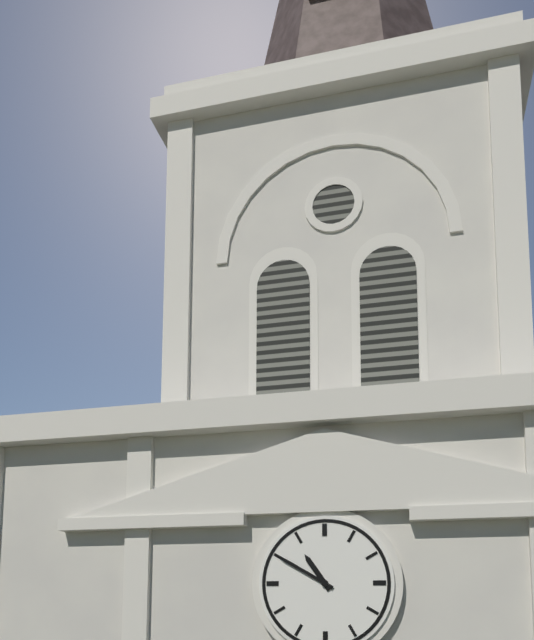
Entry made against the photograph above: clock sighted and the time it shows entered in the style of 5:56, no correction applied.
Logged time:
10:50
